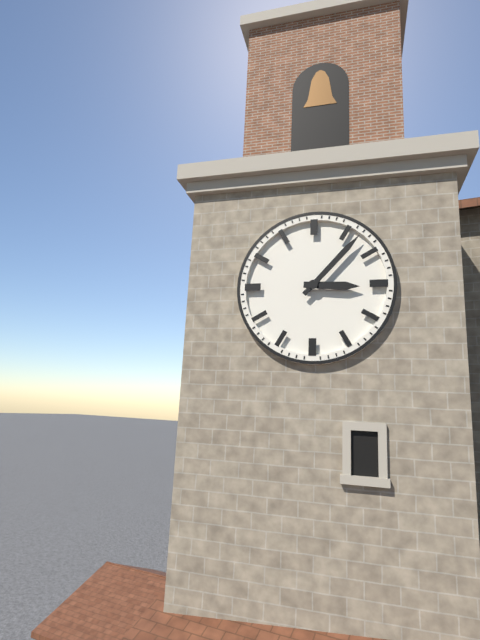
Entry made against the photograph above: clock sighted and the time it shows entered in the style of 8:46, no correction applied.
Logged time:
3:07
